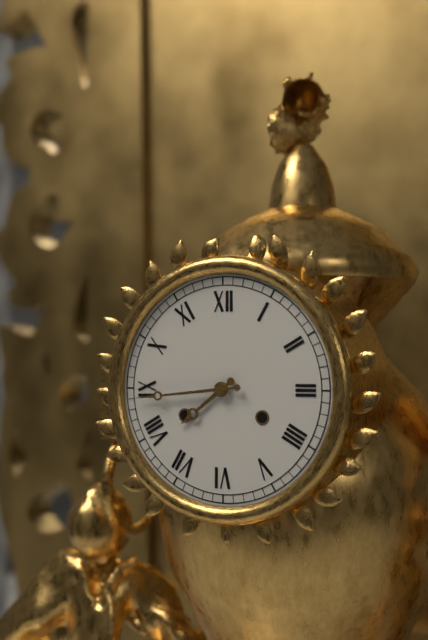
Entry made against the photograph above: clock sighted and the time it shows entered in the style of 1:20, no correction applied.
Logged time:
7:44
